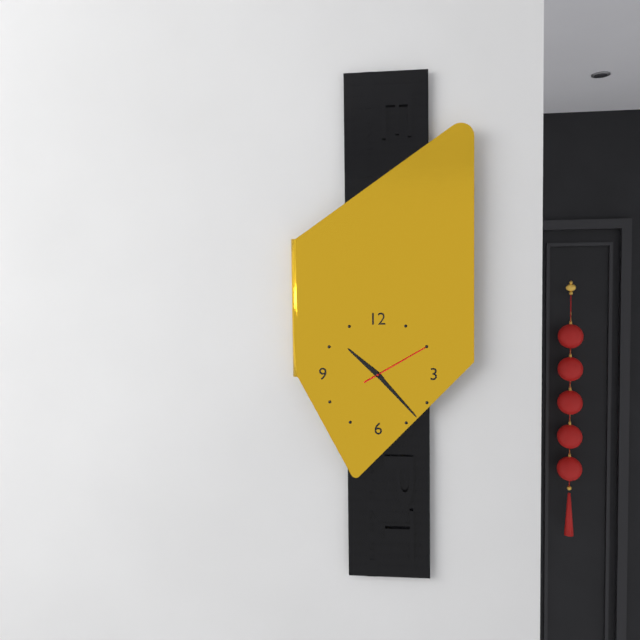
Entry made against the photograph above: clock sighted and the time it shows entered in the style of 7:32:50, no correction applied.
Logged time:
10:23:10
